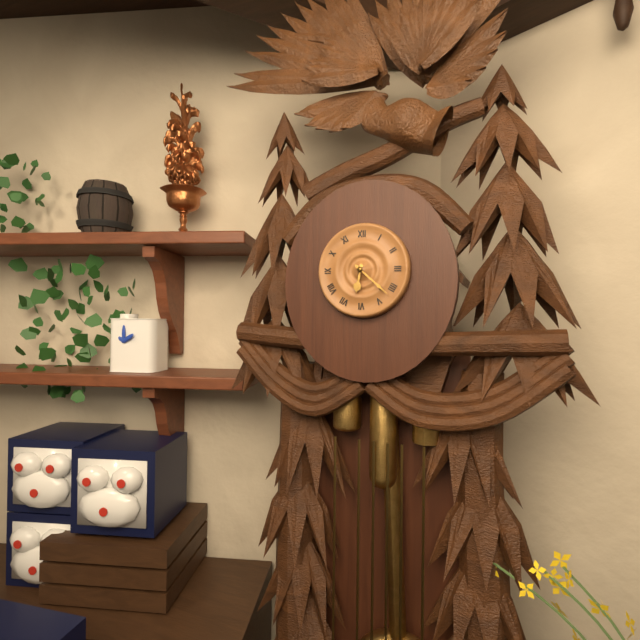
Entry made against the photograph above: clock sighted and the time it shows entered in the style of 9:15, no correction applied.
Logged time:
6:22
